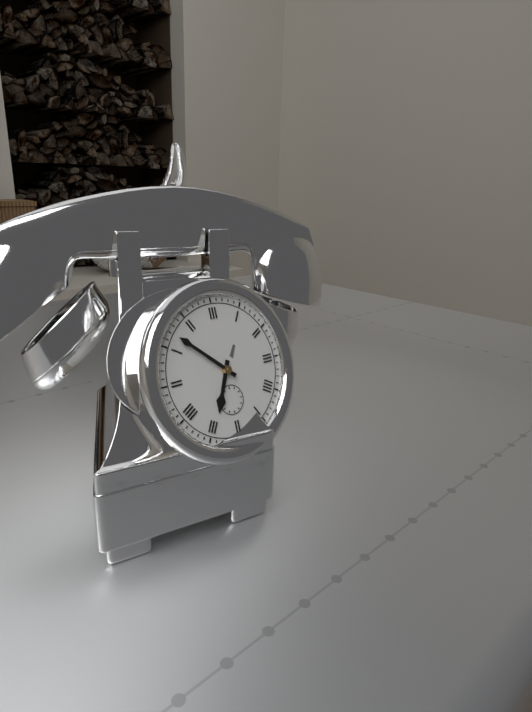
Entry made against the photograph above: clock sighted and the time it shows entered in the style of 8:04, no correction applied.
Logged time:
6:52
